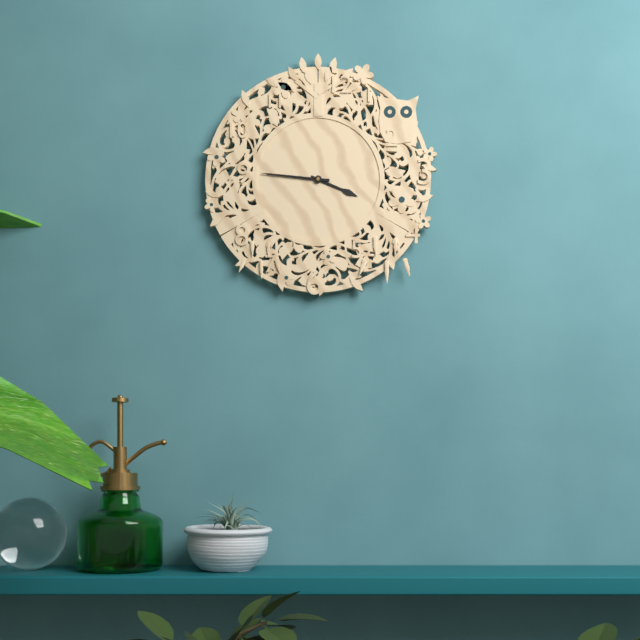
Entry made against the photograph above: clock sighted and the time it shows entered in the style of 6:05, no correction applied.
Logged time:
3:46
